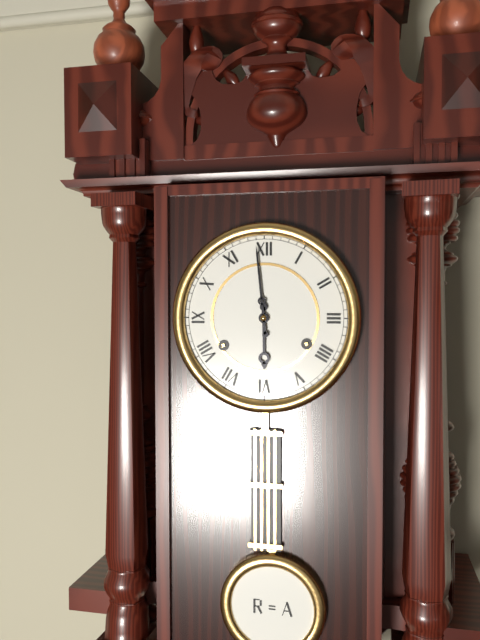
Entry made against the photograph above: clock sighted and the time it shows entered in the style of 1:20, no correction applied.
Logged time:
5:59
